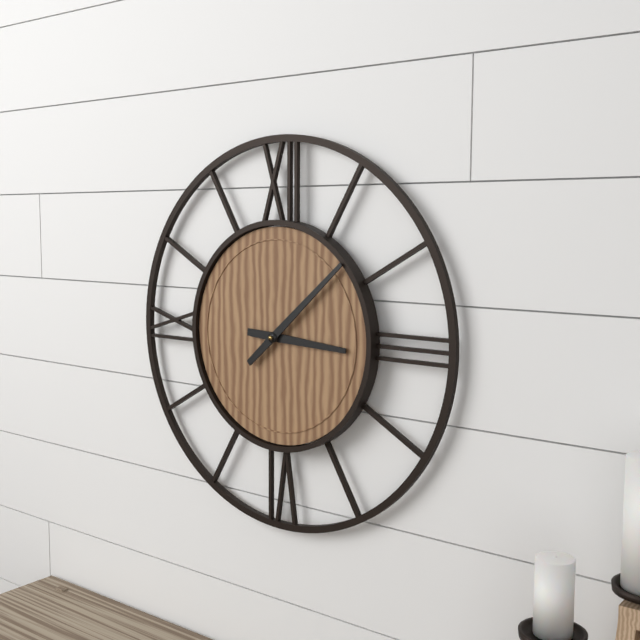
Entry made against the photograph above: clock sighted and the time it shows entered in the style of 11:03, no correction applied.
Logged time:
3:08
